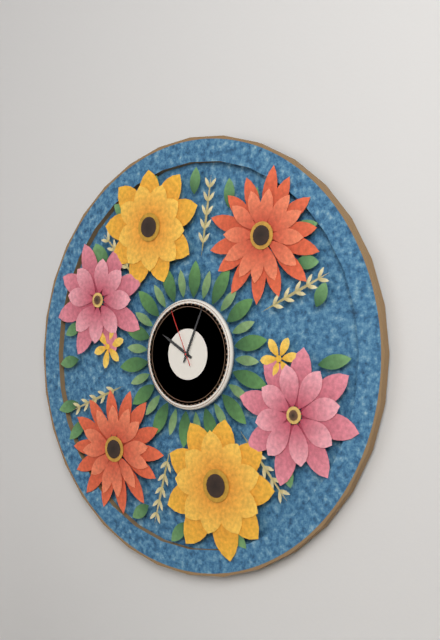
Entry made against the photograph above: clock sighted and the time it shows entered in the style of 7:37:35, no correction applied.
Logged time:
10:04:56
